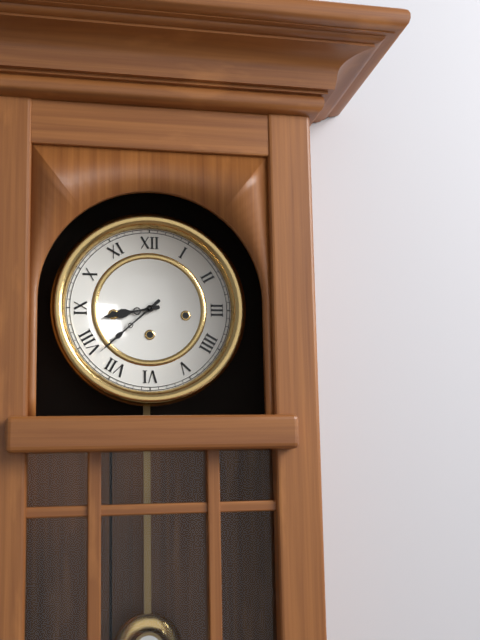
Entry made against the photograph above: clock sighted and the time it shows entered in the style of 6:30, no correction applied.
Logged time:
8:38
